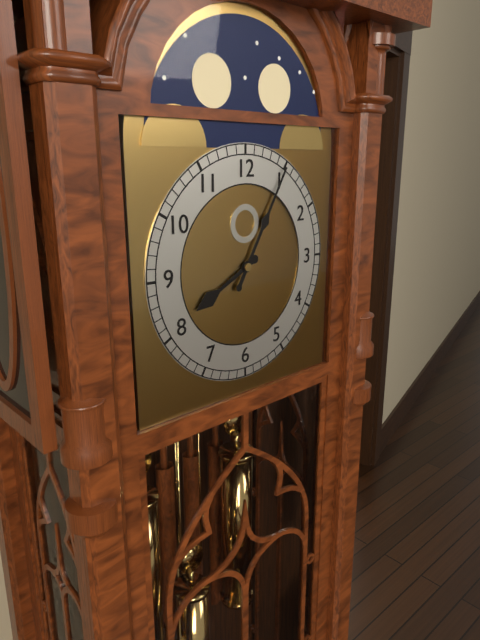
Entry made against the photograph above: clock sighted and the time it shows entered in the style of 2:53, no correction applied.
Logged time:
8:05
